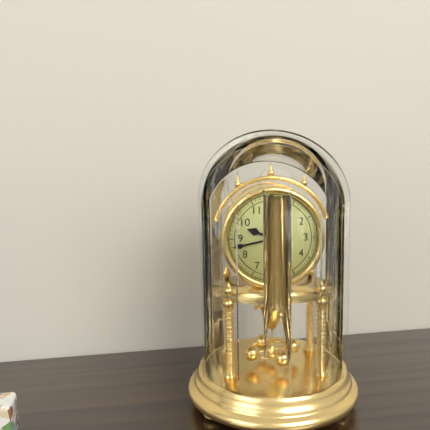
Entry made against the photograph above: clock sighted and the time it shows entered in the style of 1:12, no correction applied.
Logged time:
9:43
